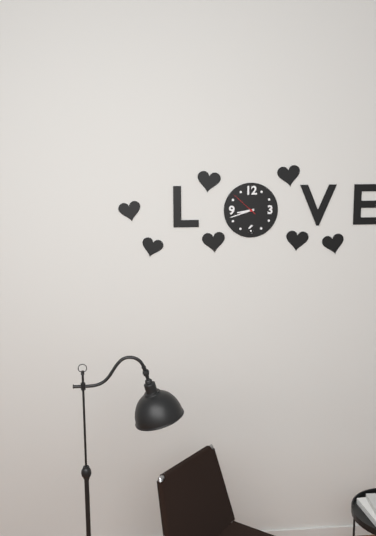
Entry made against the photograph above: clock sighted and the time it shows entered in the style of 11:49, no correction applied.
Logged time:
8:42
